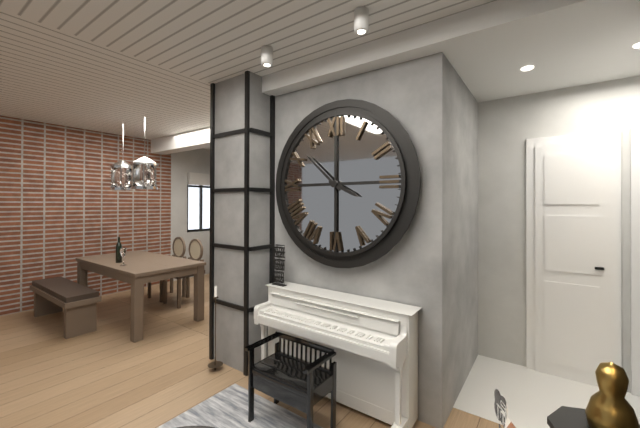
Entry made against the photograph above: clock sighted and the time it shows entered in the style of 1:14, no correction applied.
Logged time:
3:52
